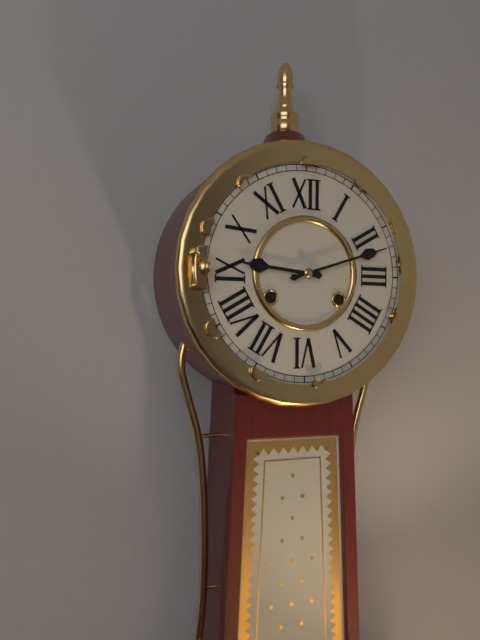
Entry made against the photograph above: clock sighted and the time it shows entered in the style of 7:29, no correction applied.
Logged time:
9:12
